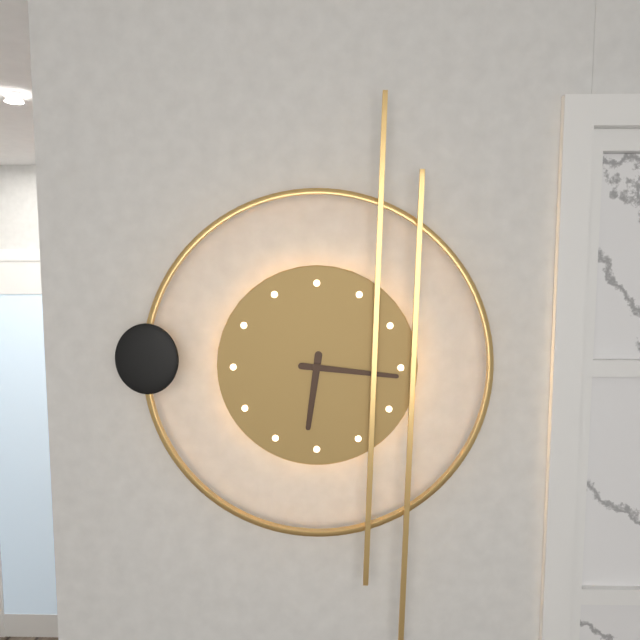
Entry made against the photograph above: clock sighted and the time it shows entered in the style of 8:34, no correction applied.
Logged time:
6:16
